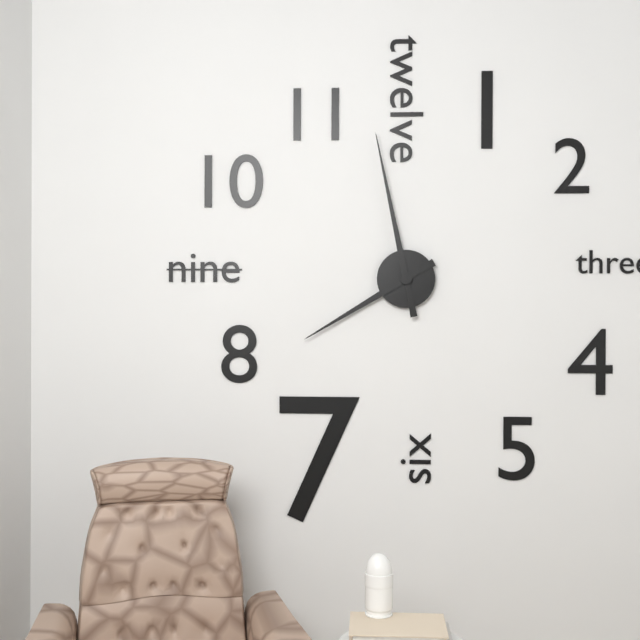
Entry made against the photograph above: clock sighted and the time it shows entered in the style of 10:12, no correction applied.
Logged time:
7:58
